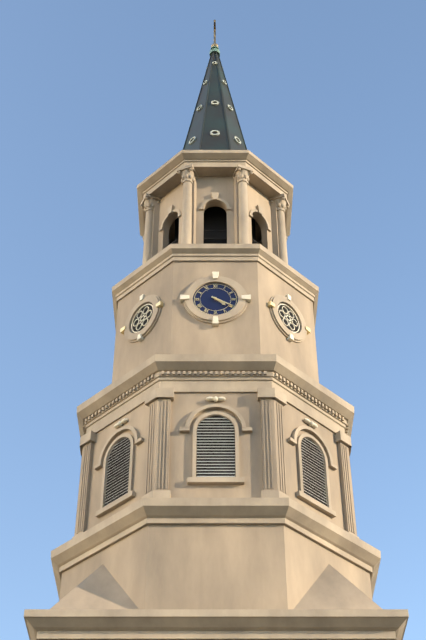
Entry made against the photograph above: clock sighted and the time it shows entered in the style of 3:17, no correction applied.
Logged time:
4:20
